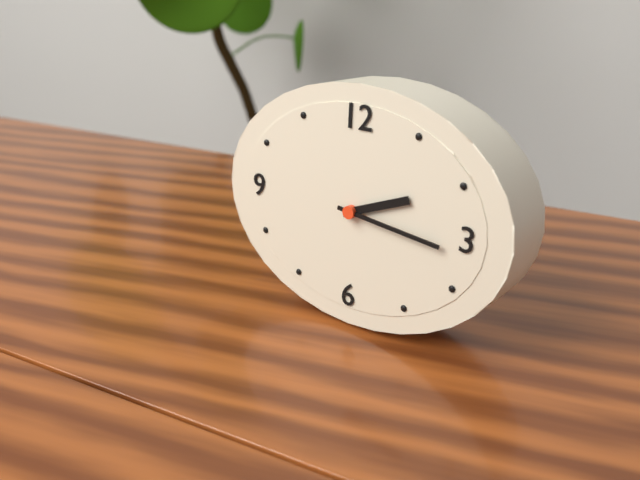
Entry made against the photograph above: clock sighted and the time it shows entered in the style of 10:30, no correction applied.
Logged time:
2:16
